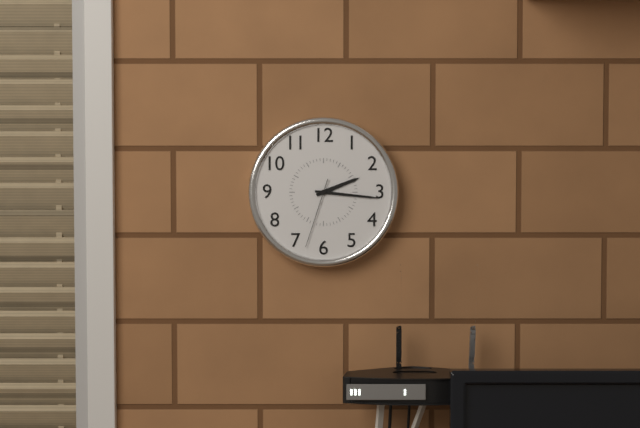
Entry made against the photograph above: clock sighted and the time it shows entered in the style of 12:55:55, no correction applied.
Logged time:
2:16:33
